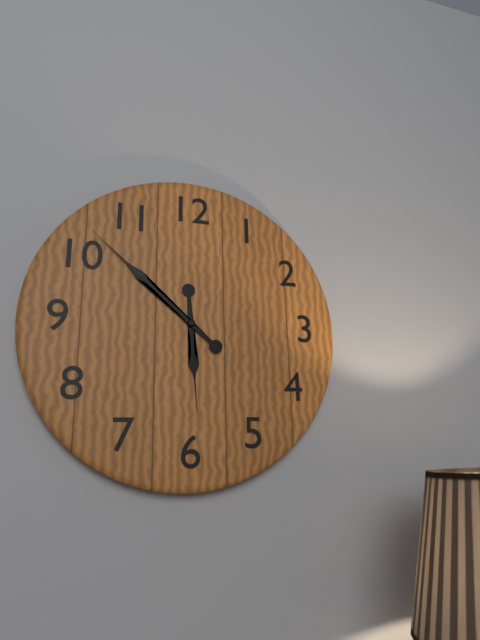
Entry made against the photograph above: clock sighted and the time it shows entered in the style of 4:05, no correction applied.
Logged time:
5:52
